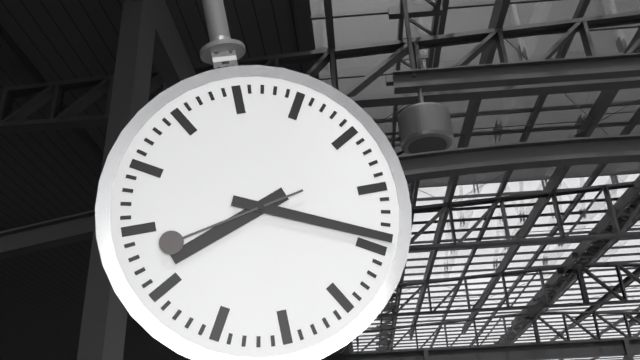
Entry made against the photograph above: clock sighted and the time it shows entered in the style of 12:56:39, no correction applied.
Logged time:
8:19:43
